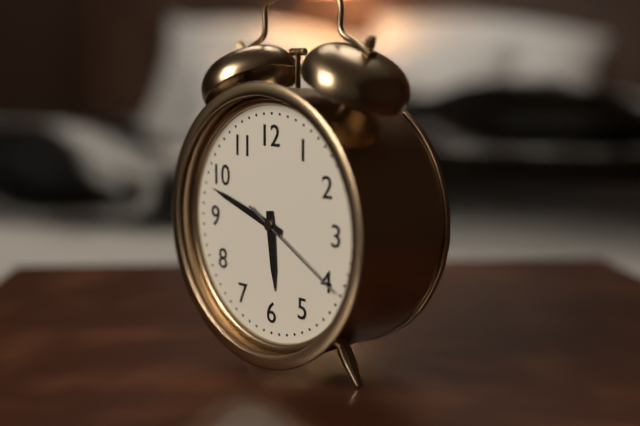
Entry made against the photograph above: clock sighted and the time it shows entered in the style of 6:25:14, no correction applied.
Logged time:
5:48:20
